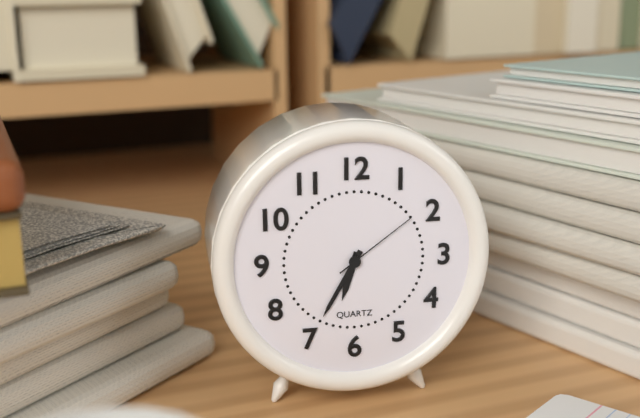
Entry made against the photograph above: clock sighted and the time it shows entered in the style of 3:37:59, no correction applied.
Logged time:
6:35:09
